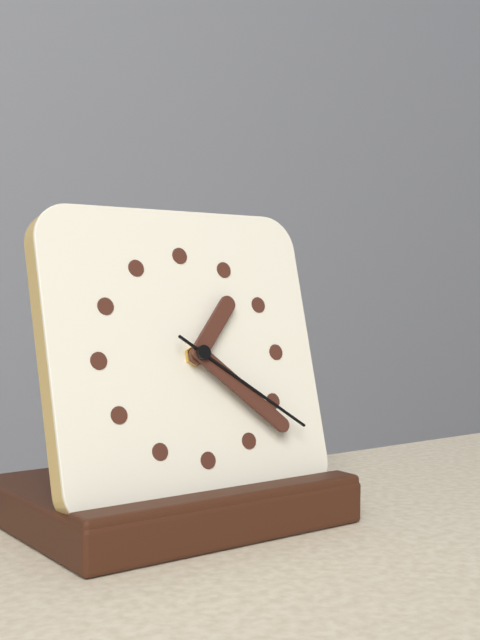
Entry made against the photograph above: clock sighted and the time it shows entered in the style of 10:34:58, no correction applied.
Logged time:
1:22:21
